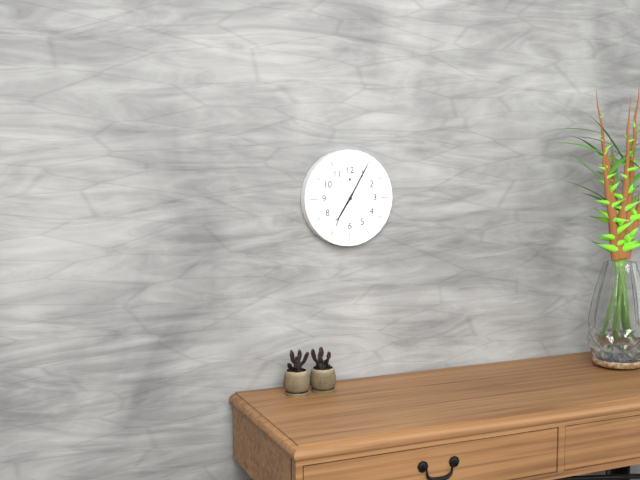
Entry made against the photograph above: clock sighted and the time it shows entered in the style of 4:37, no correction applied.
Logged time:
7:05
